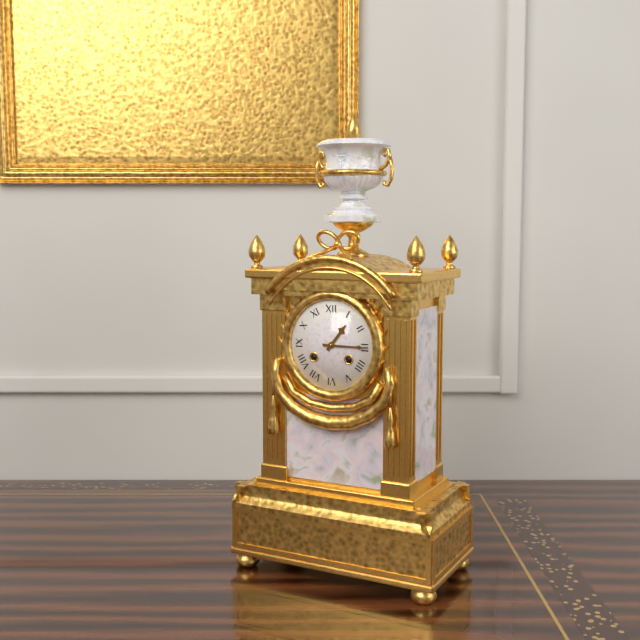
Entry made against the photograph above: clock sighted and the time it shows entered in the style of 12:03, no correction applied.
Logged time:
1:15
